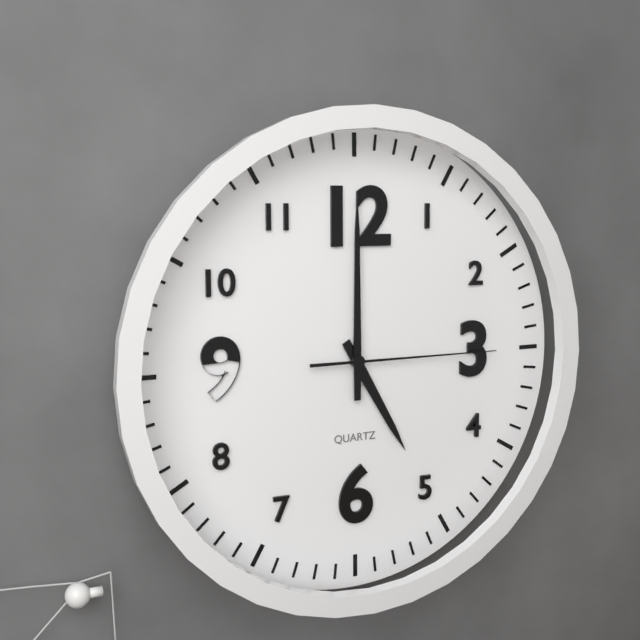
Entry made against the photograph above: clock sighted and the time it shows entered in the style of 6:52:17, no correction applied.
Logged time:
5:00:15
